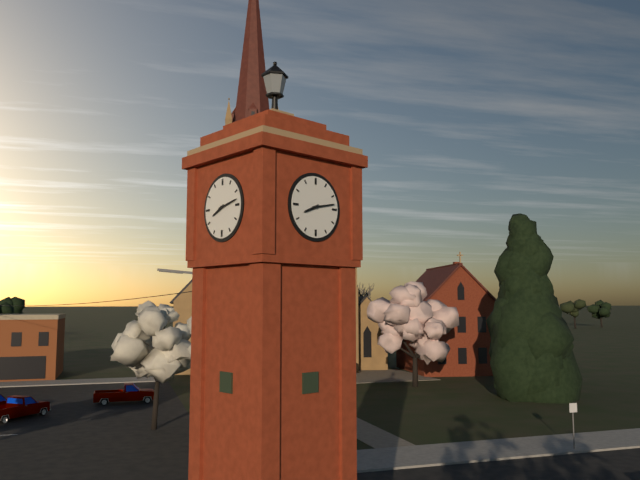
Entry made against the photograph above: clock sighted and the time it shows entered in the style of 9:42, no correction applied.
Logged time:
8:13
